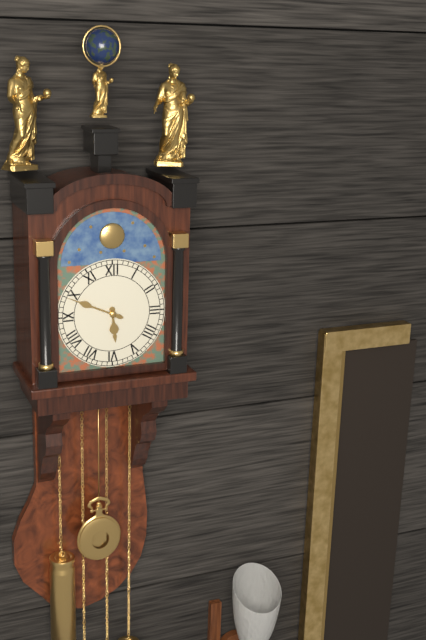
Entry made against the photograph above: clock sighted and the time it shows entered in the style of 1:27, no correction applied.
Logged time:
5:49
